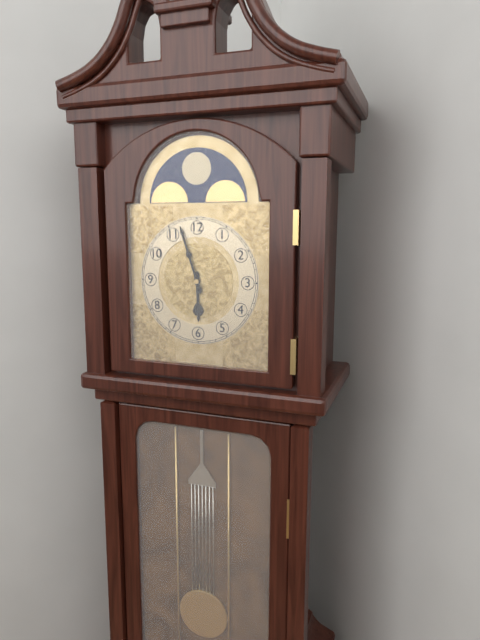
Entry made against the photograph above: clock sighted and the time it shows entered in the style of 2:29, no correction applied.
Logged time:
5:57
